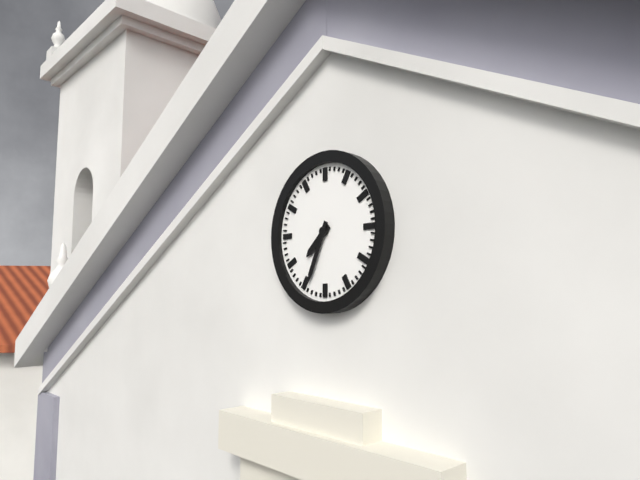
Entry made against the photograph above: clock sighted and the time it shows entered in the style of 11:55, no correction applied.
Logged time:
7:34
